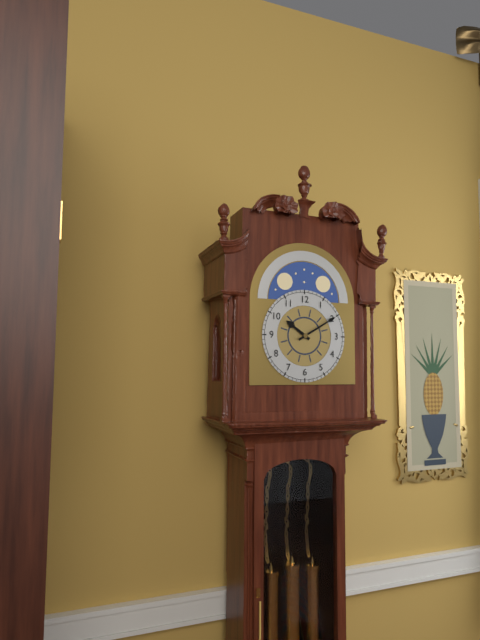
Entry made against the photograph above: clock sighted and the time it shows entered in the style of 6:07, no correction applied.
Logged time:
10:10
